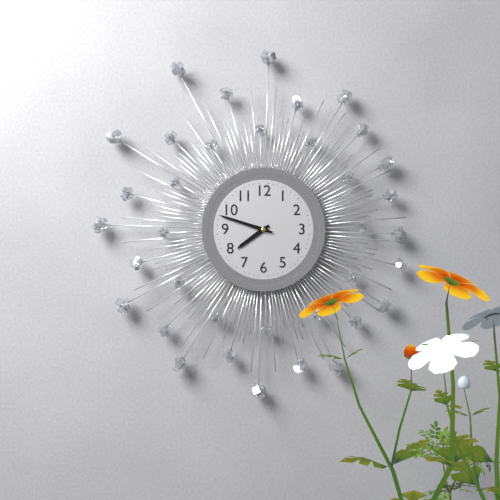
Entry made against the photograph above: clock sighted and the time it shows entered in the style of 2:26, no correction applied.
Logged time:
7:48
